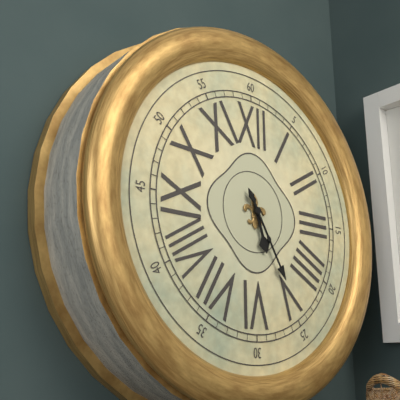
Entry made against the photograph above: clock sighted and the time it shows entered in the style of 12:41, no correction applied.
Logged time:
5:25
